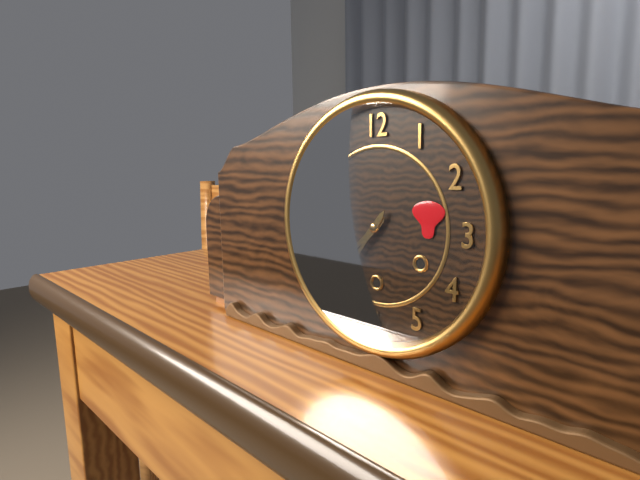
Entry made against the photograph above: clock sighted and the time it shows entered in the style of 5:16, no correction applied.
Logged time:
7:36
